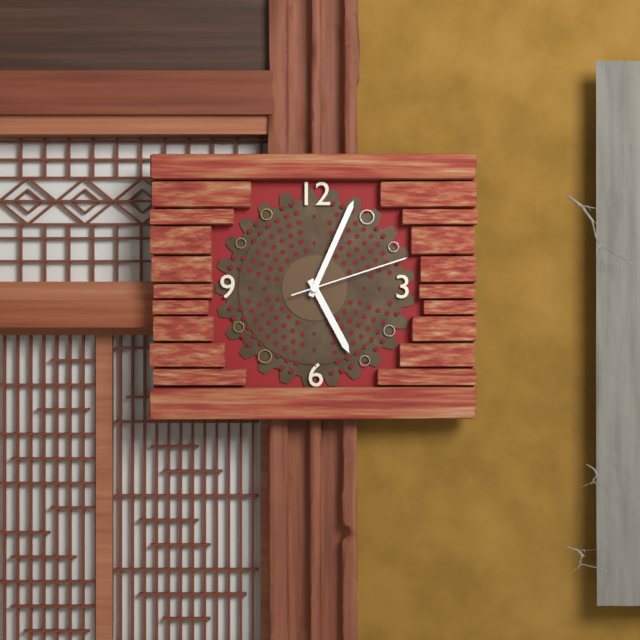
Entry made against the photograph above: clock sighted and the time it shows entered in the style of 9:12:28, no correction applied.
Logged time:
5:04:12
